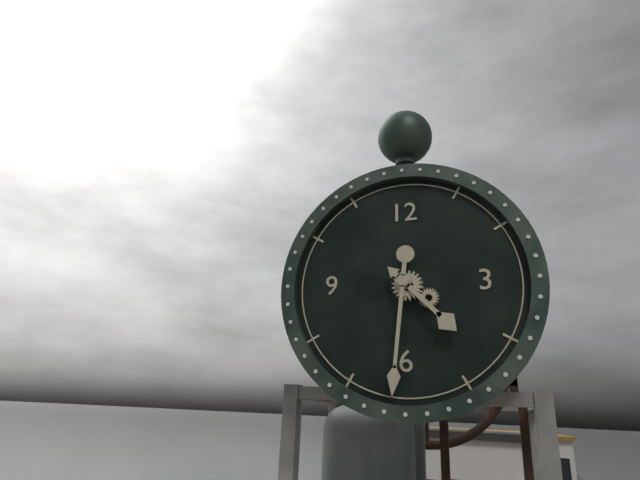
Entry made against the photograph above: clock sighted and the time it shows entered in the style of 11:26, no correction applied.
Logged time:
4:31
